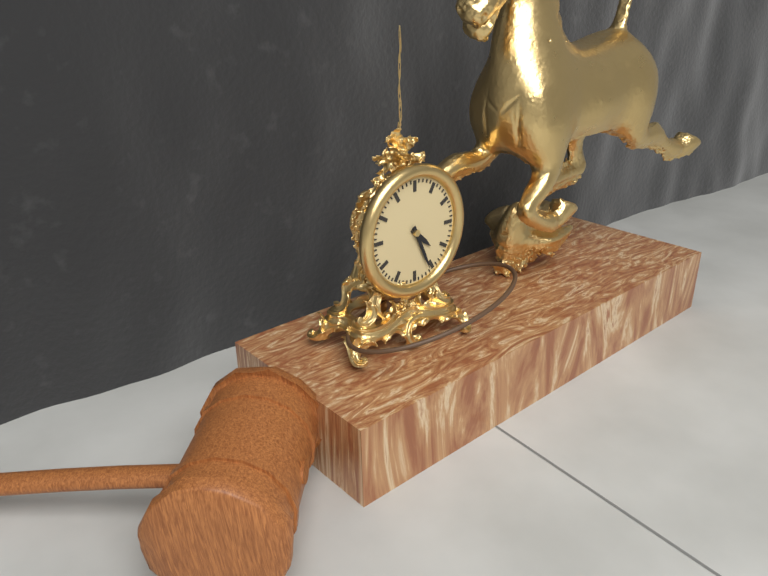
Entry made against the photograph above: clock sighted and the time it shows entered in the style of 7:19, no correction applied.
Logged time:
4:26
